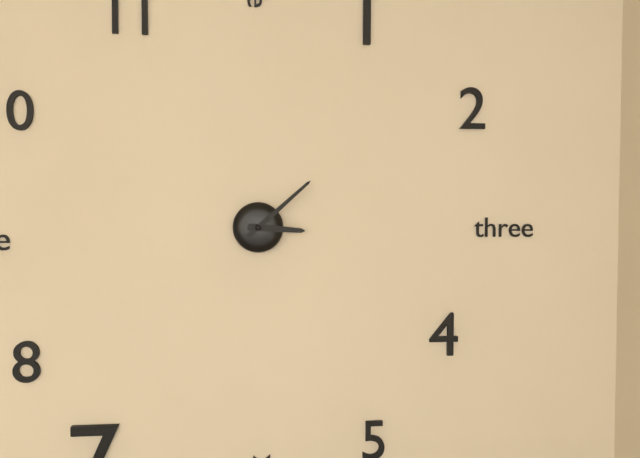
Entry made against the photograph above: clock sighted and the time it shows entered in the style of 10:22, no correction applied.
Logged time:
3:08
